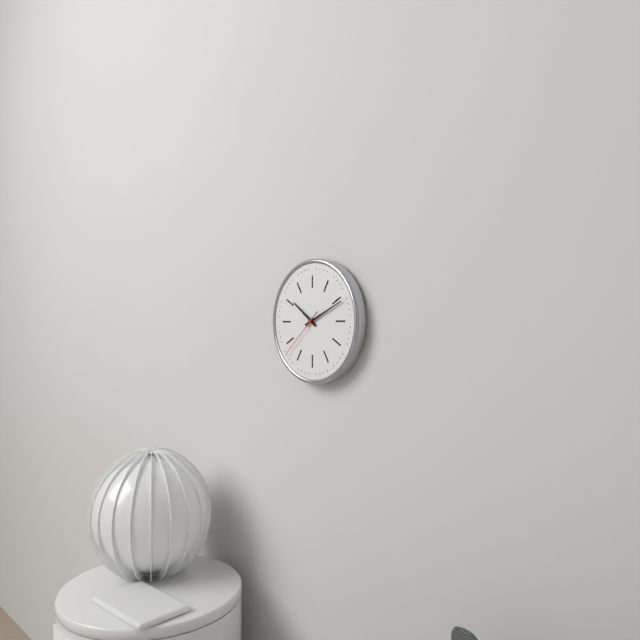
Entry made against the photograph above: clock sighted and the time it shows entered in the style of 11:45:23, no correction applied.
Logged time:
10:11:38
